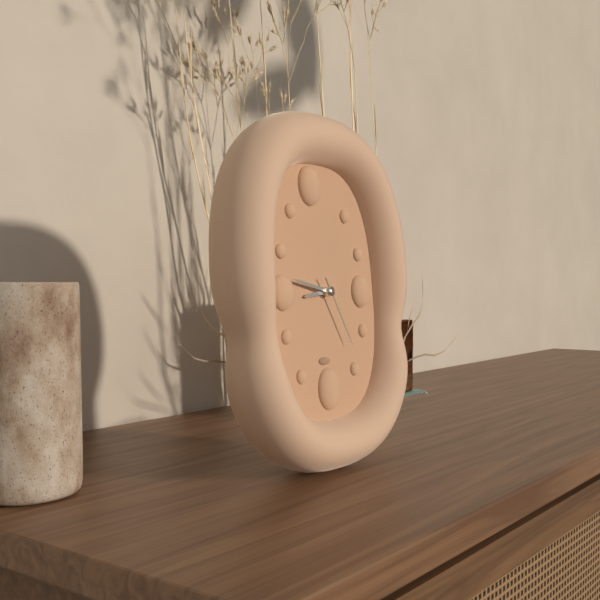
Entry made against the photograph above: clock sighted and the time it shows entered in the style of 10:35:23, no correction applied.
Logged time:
8:47:25
